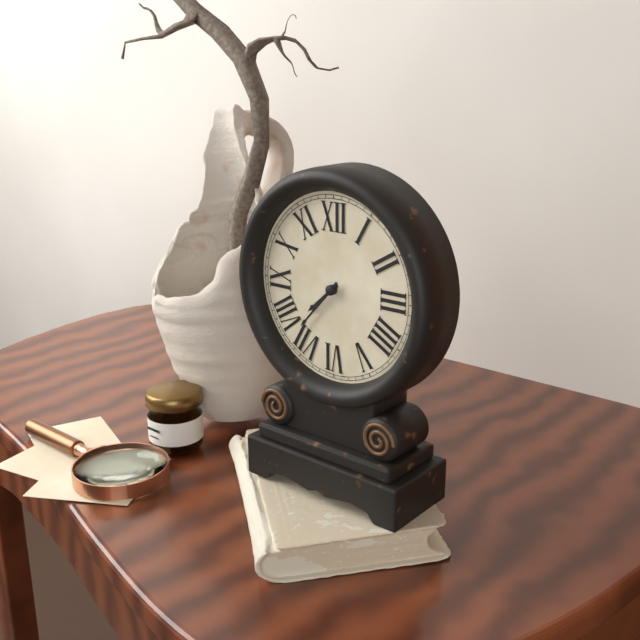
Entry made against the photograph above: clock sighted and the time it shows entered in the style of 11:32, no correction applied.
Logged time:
7:37
